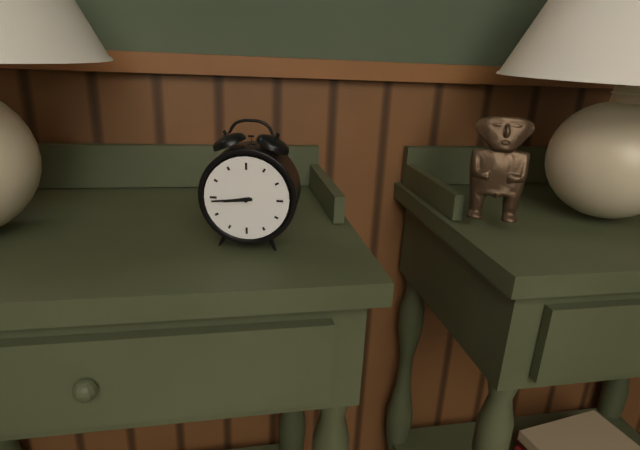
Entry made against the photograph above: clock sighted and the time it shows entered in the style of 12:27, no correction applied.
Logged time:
8:44
